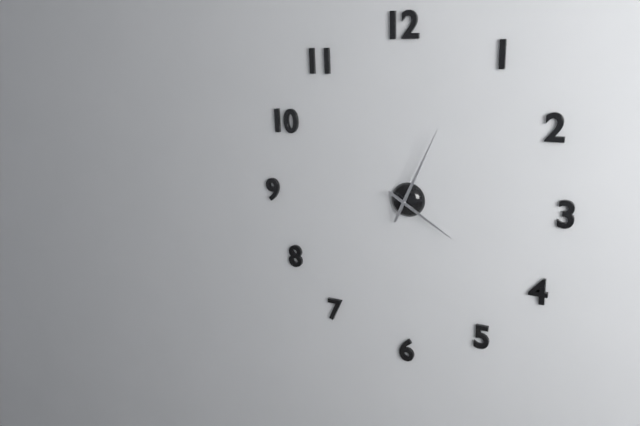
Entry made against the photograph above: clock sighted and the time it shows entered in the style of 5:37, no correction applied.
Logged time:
4:04
